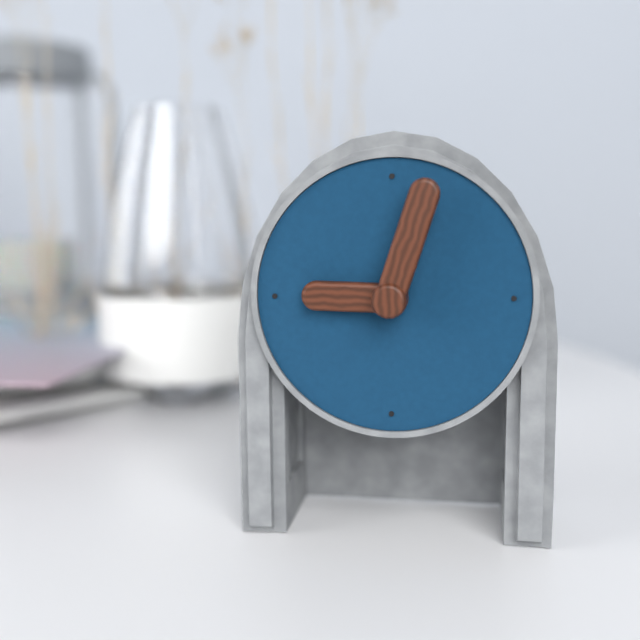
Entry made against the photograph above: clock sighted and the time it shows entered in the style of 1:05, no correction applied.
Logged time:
9:03
